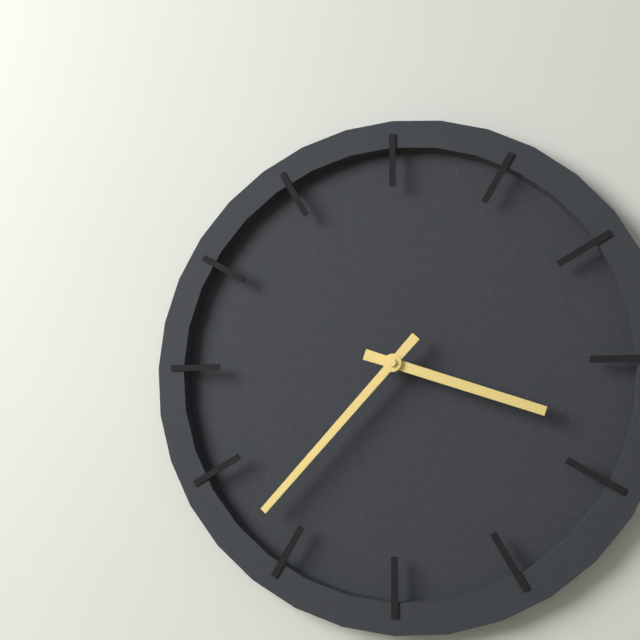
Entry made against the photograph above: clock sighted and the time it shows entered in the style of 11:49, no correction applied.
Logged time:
3:37
